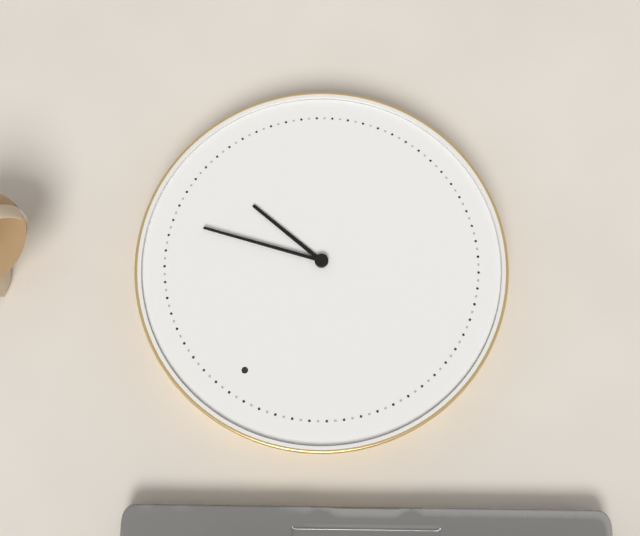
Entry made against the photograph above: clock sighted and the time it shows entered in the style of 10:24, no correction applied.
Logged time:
3:12
